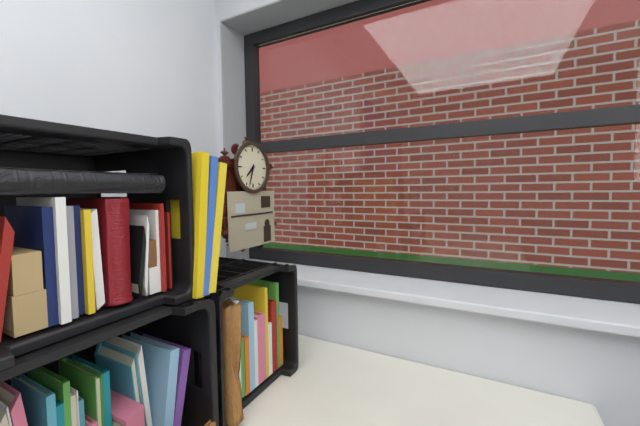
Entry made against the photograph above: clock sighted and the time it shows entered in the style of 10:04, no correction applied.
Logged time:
7:33
